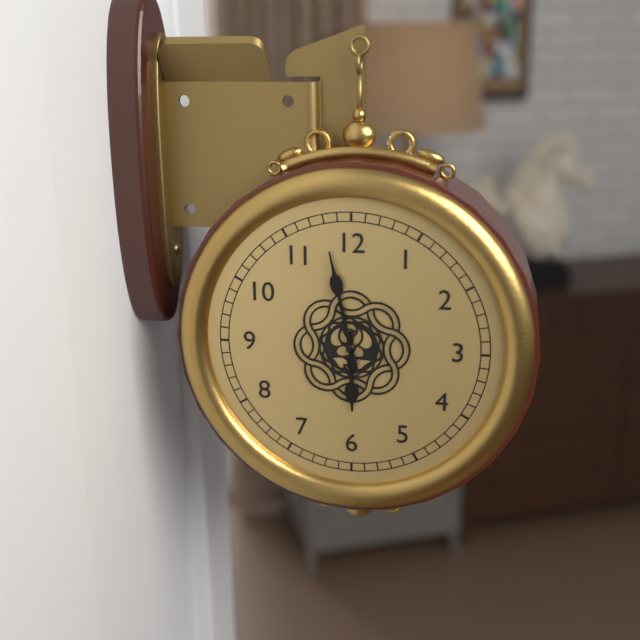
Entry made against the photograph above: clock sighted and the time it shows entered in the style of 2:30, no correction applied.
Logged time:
5:58
